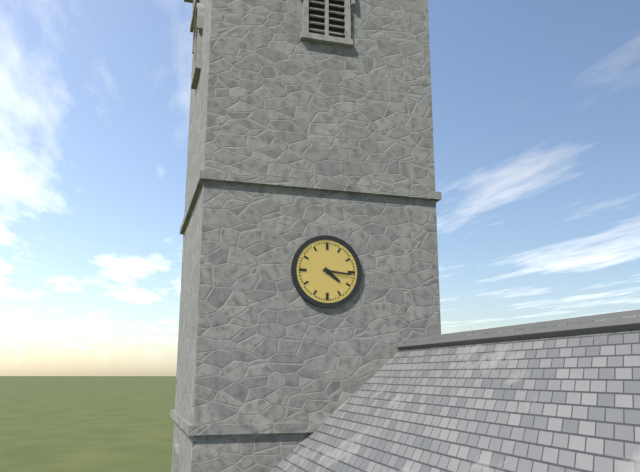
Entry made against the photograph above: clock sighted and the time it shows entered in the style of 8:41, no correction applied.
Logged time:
4:16
